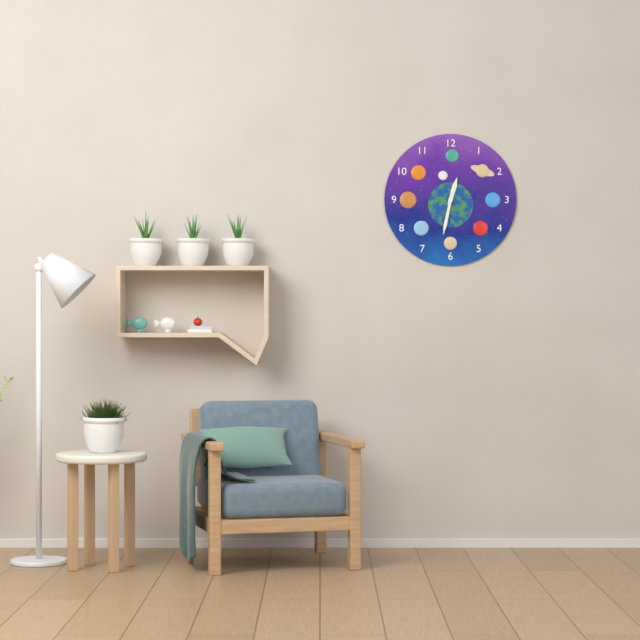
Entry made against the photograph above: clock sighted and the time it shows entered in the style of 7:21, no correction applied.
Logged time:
12:32
